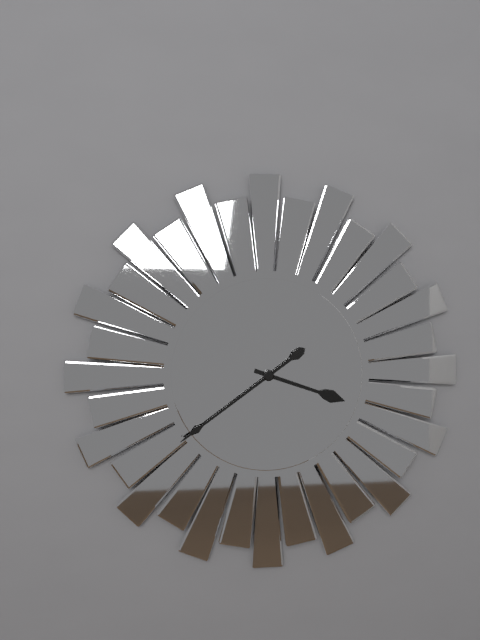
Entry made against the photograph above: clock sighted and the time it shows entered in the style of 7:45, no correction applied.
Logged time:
3:39
